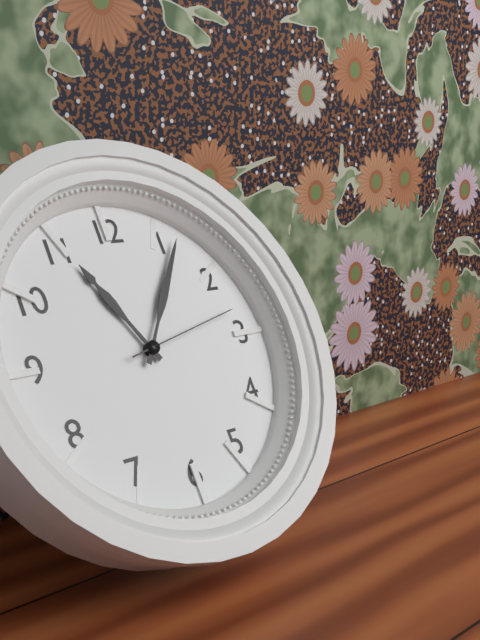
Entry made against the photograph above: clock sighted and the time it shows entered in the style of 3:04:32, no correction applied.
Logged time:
11:06:13
